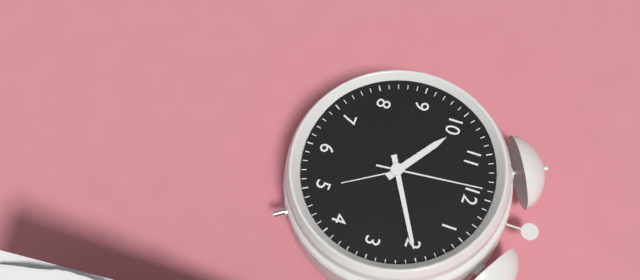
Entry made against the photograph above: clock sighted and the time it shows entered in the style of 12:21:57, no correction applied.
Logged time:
10:10:59
